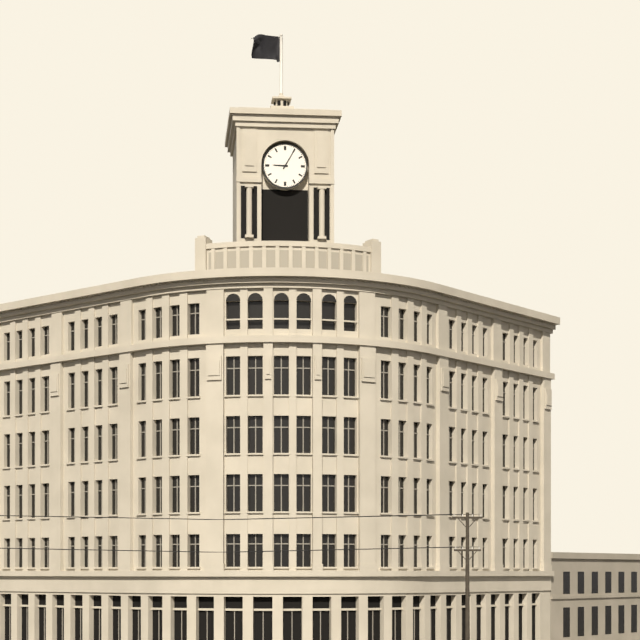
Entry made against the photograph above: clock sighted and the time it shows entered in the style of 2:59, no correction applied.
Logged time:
9:05
